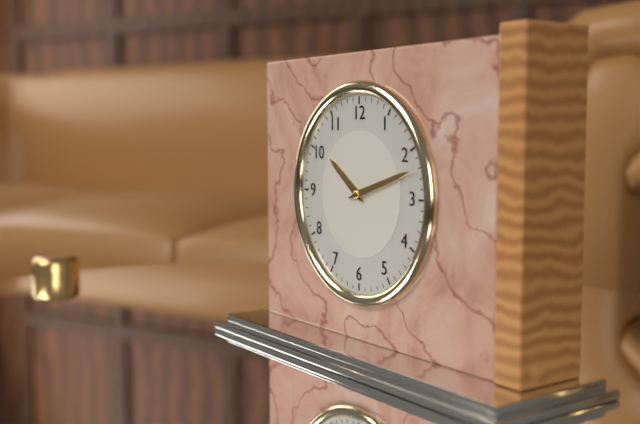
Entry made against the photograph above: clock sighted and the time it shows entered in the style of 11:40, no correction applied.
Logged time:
10:12
